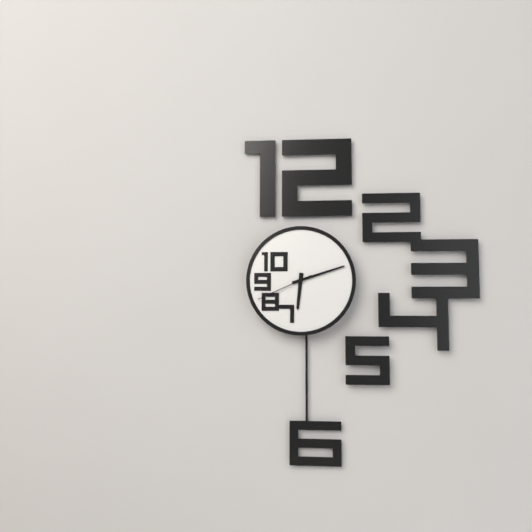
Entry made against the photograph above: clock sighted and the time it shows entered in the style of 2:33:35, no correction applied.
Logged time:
6:12:41
